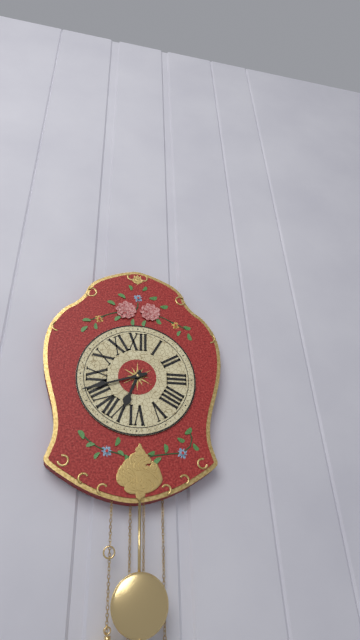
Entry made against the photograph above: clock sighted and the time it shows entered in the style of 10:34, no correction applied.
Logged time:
6:42
